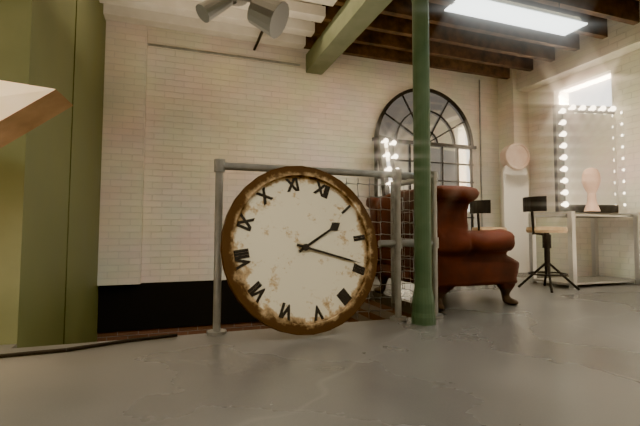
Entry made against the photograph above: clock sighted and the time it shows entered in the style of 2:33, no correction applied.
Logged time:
1:14
